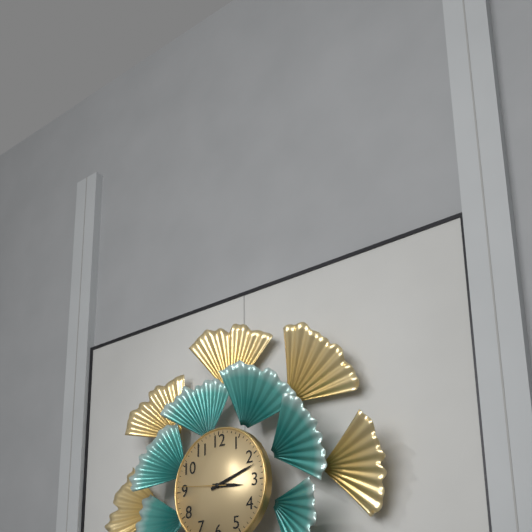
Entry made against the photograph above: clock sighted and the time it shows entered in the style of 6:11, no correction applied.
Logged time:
3:12
